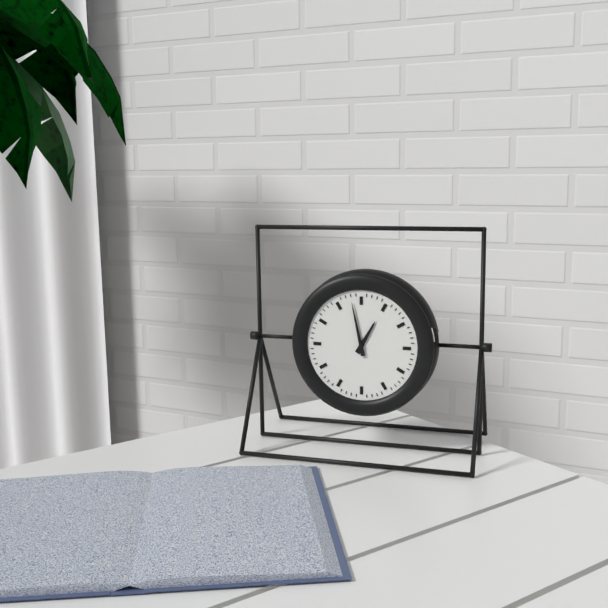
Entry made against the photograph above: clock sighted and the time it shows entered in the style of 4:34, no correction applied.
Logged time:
12:58
